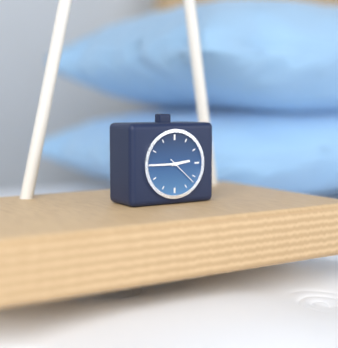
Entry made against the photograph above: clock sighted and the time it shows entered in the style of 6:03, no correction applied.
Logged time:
2:45
